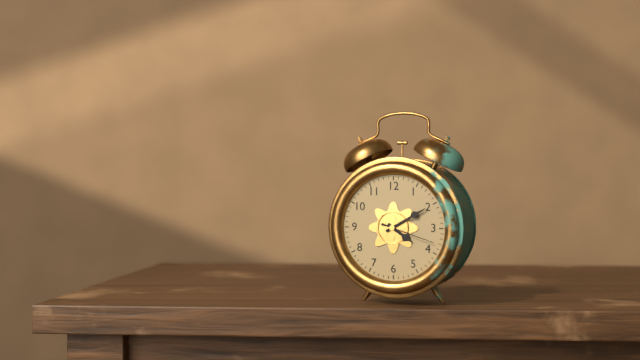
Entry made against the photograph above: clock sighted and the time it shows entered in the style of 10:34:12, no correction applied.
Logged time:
4:10:18
